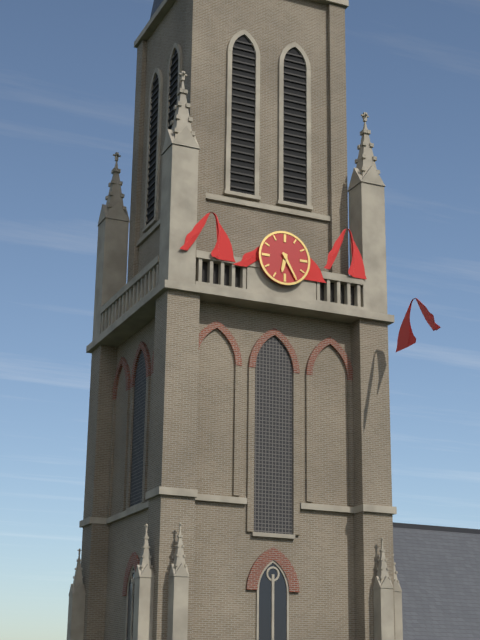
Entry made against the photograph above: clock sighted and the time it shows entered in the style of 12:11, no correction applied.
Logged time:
6:25
